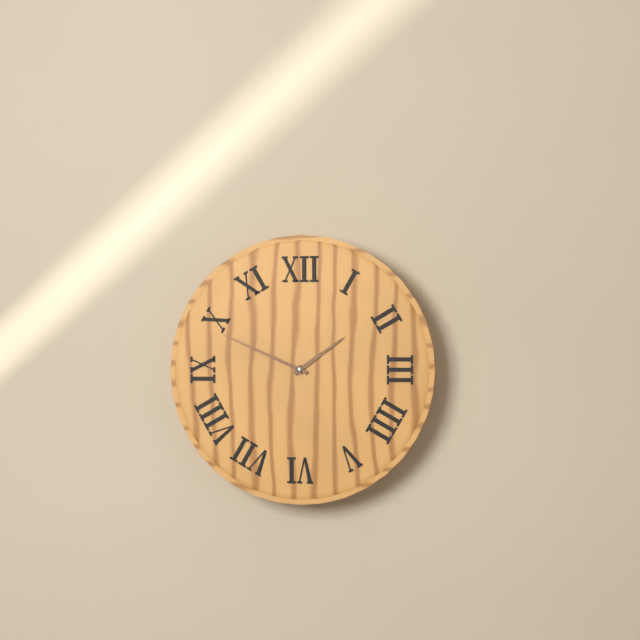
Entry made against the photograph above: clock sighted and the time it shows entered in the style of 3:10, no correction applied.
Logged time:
1:49
